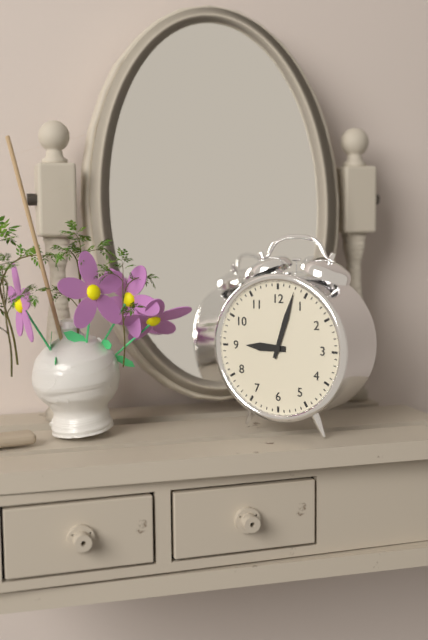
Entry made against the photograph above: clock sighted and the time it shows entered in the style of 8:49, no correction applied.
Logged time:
9:03
